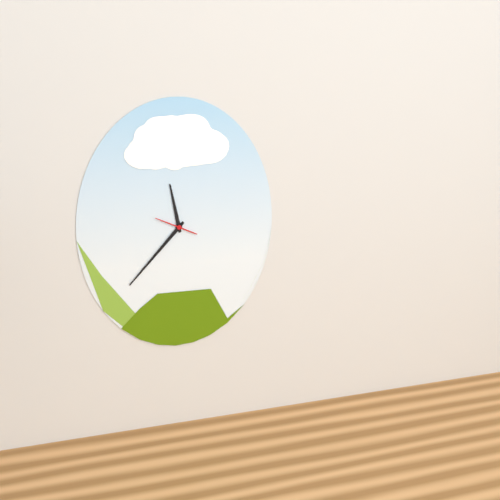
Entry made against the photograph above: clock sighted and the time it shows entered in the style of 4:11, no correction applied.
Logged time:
11:37
